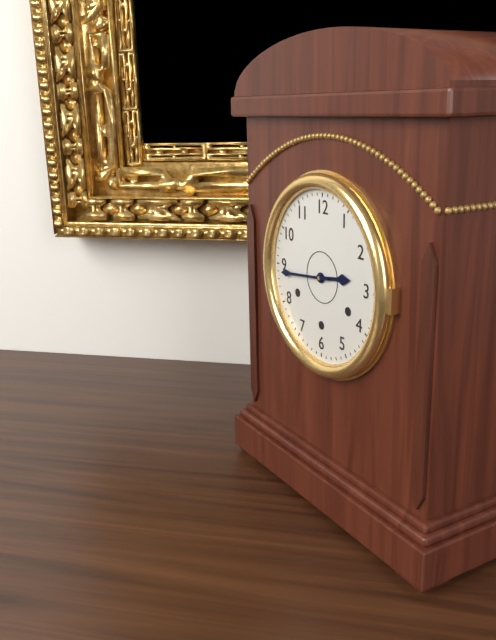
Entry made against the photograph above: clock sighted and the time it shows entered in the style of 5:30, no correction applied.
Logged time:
2:44
